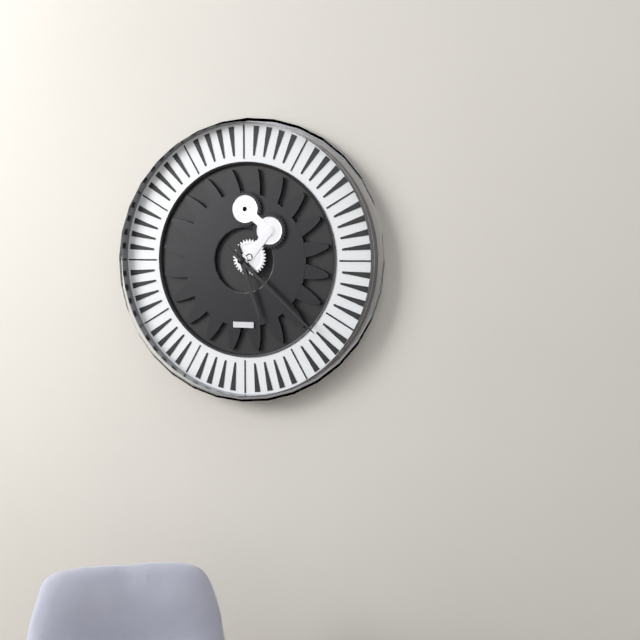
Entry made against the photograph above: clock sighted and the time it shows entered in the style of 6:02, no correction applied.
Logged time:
5:22
